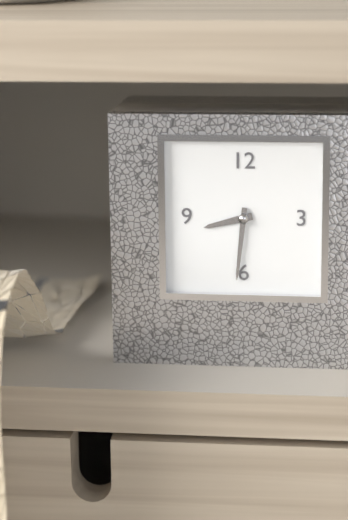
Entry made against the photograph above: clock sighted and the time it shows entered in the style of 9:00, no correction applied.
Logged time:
8:31
